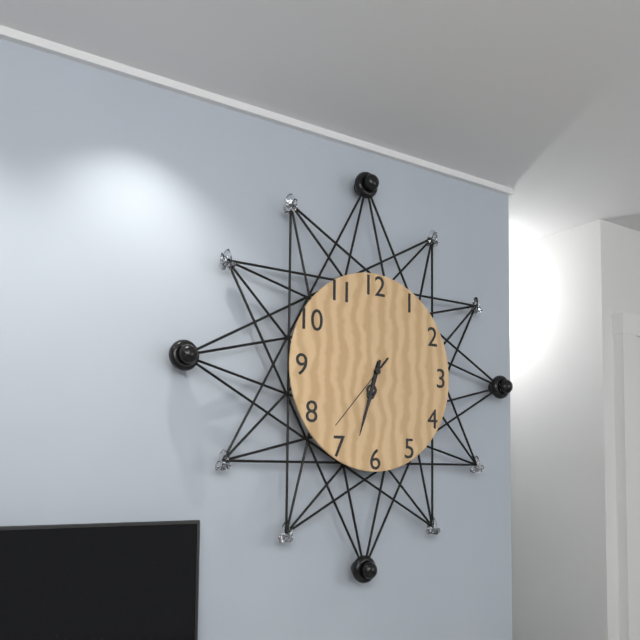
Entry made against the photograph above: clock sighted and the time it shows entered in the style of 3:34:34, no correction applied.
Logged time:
6:33:37
